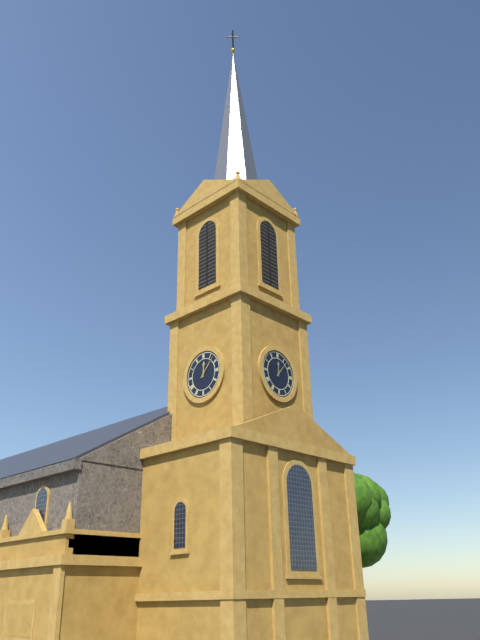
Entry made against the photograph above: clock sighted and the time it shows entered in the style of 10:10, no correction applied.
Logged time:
12:07
